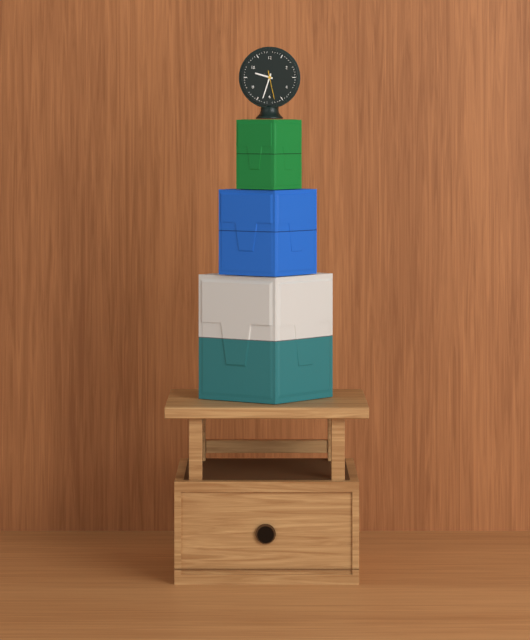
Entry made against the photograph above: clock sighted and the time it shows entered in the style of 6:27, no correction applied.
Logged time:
9:33
